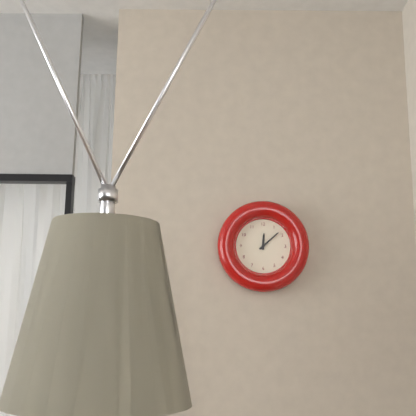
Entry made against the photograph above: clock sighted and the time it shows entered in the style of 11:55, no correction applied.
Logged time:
12:08
